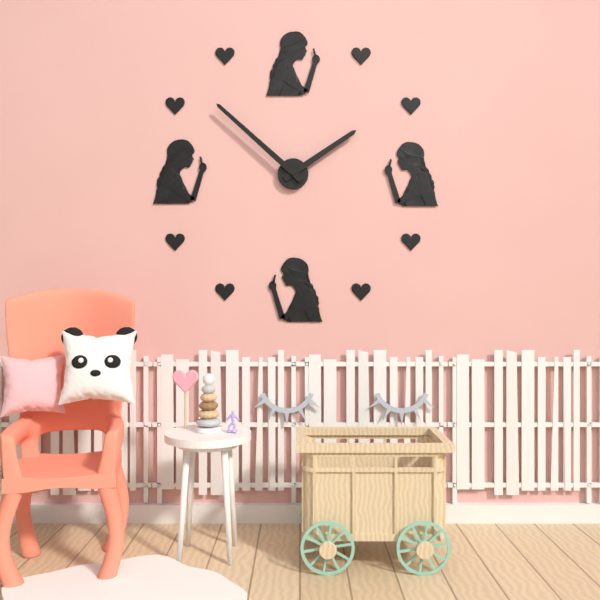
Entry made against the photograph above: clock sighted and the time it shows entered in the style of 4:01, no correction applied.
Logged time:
1:52
